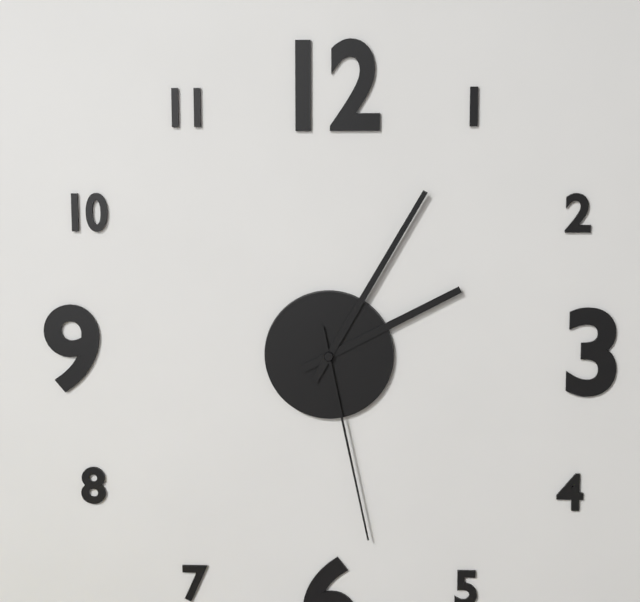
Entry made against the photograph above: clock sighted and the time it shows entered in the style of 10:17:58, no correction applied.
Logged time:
2:05:28
